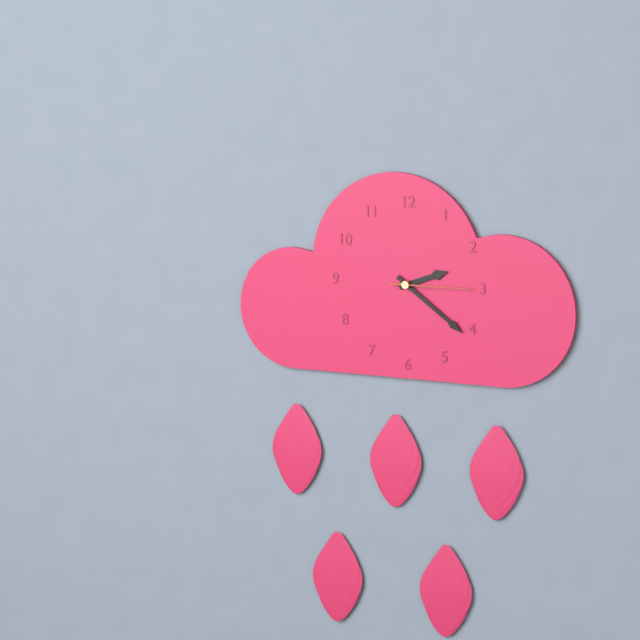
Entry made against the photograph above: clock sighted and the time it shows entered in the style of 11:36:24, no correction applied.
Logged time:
2:21:15
